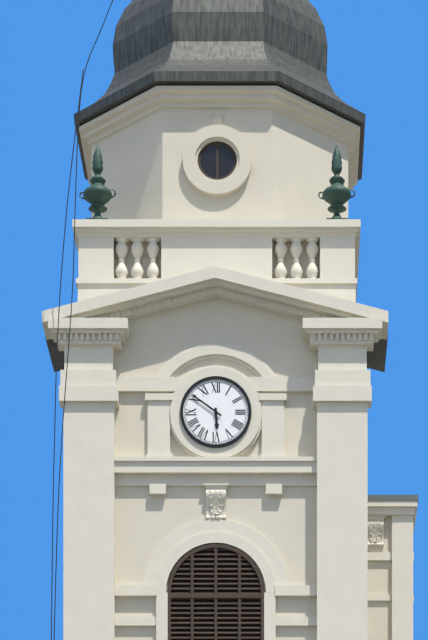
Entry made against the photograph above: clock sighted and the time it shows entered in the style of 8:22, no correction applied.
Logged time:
5:51
